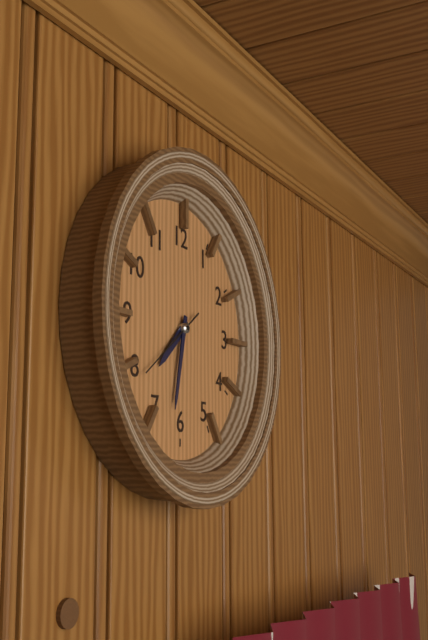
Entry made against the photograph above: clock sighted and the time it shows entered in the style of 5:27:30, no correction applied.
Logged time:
7:32:39
